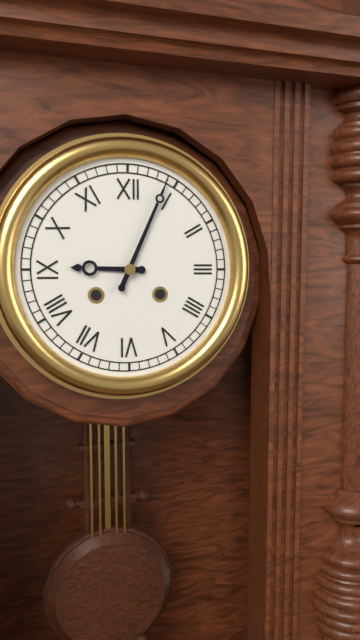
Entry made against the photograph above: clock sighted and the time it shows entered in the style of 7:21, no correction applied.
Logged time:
9:04
